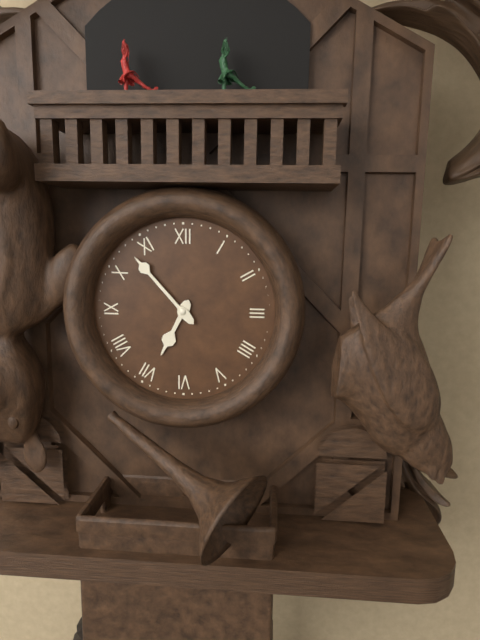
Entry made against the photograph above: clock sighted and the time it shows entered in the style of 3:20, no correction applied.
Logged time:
6:53
